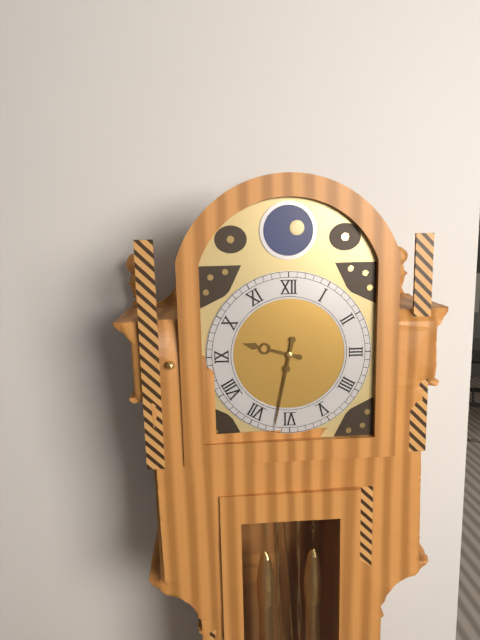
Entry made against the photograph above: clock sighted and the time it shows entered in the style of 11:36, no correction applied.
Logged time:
9:32
